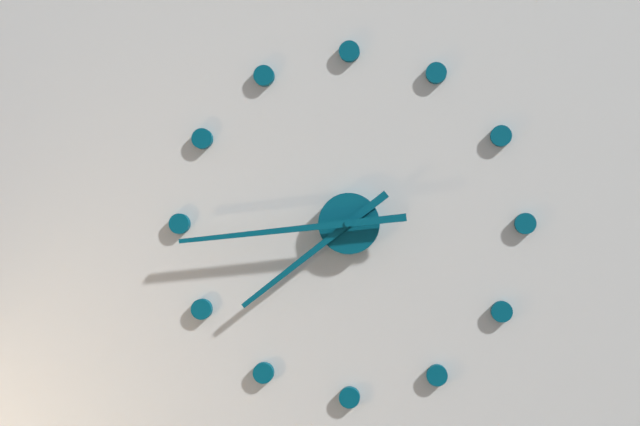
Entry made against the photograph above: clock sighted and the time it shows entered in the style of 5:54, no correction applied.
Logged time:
7:44
